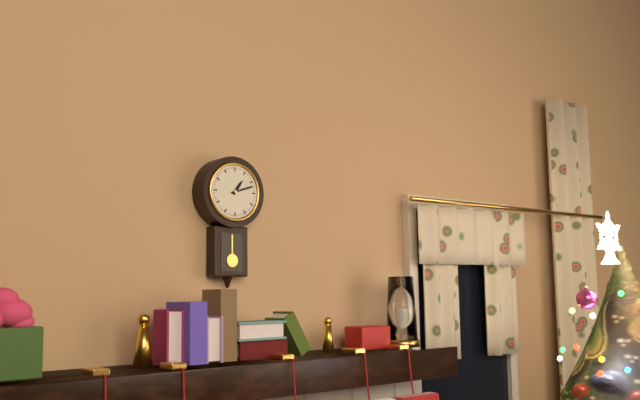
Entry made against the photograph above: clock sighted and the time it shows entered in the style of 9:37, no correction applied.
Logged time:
1:12
